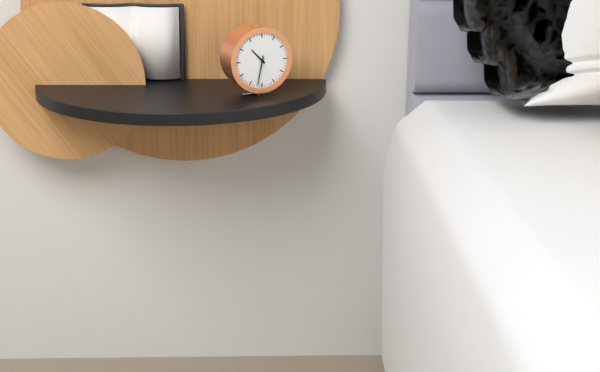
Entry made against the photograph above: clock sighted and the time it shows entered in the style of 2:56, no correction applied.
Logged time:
10:32
